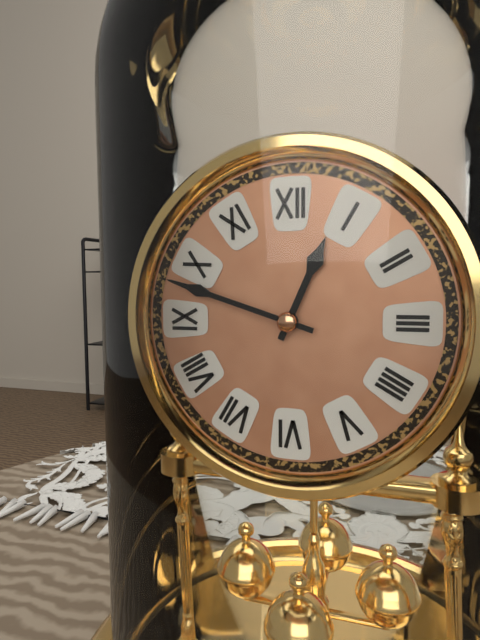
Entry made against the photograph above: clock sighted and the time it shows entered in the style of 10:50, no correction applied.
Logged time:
12:48
